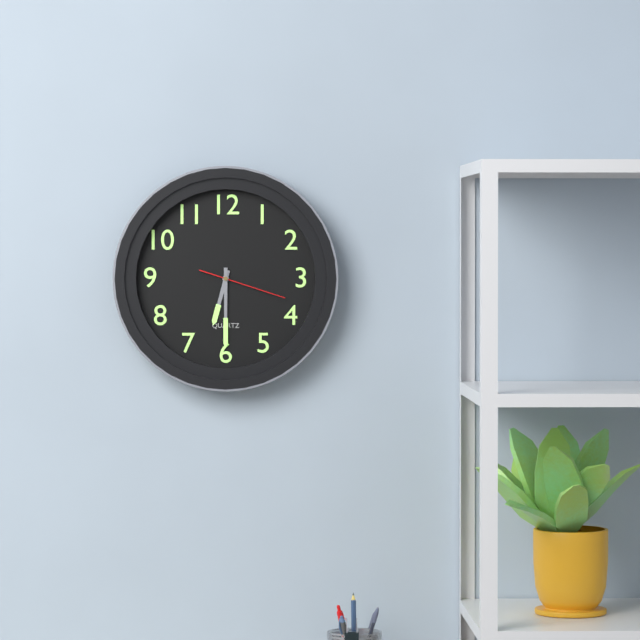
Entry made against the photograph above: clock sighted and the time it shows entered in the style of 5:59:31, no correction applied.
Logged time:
6:30:18
